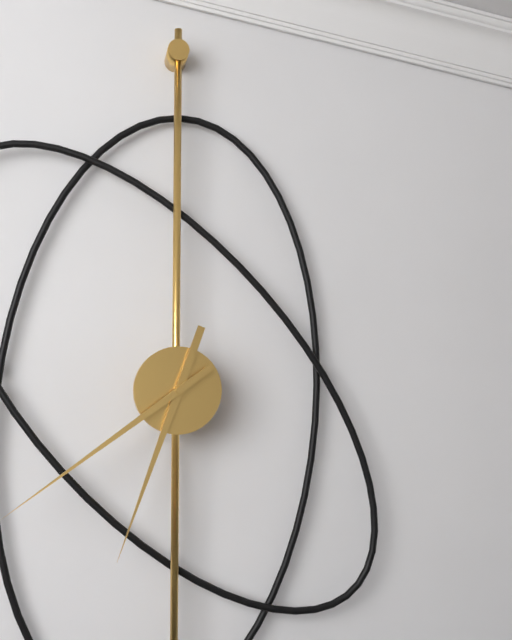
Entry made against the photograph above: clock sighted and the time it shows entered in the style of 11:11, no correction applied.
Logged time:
6:39
